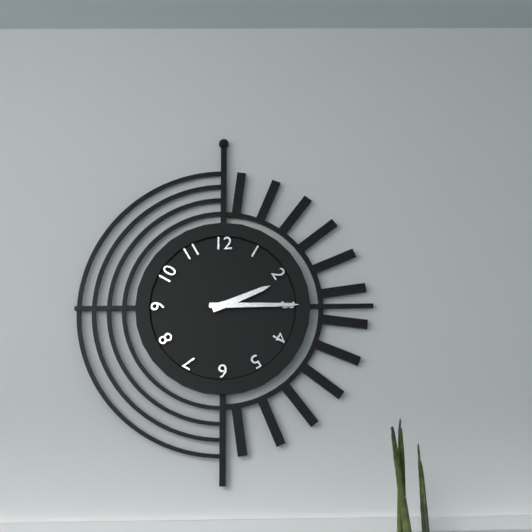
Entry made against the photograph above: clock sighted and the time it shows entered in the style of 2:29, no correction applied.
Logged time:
2:15
